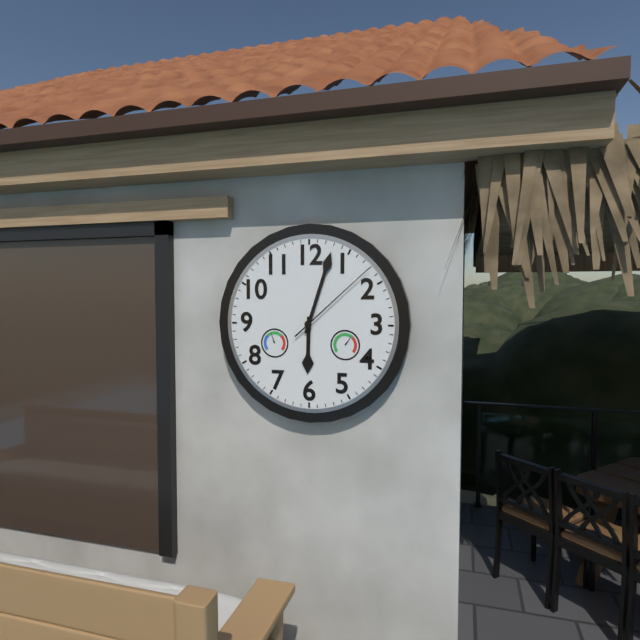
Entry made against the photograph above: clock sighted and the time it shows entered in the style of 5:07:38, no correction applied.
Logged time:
6:03:08
